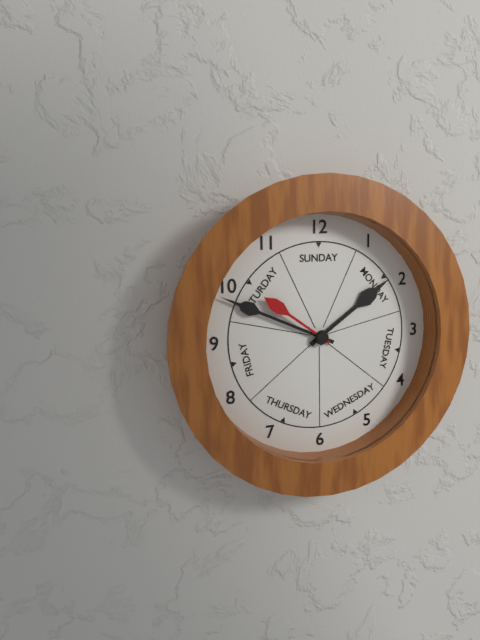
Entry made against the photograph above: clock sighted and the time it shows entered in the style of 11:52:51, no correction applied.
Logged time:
1:49:51
